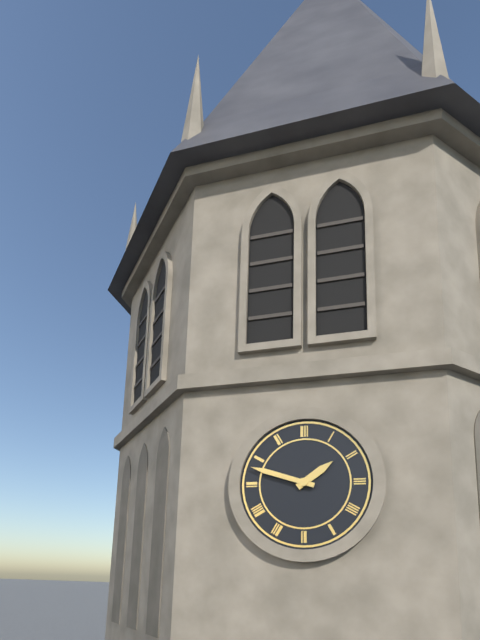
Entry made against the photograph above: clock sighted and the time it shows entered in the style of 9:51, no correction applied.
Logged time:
1:48
